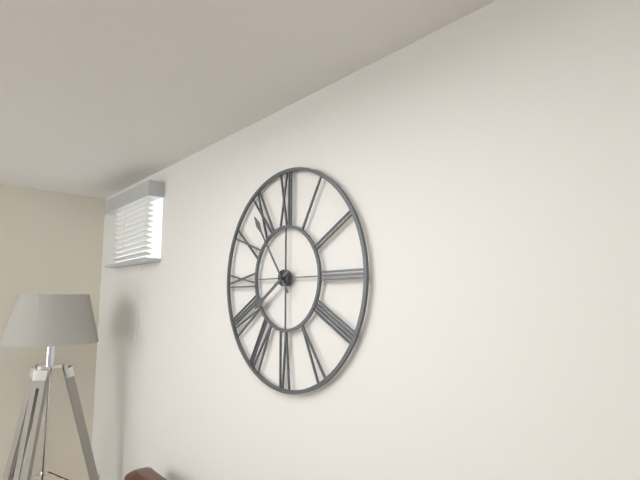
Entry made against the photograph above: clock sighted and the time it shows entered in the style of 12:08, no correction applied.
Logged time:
7:54
